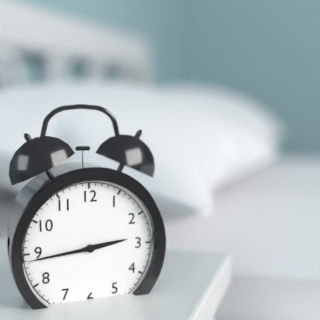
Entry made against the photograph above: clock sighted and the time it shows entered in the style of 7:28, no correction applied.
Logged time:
2:44
